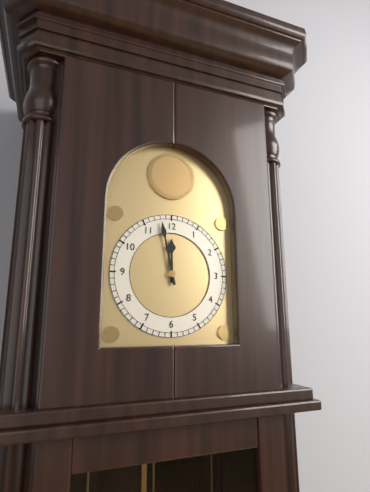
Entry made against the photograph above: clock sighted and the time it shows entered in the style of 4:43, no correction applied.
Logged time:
11:58
